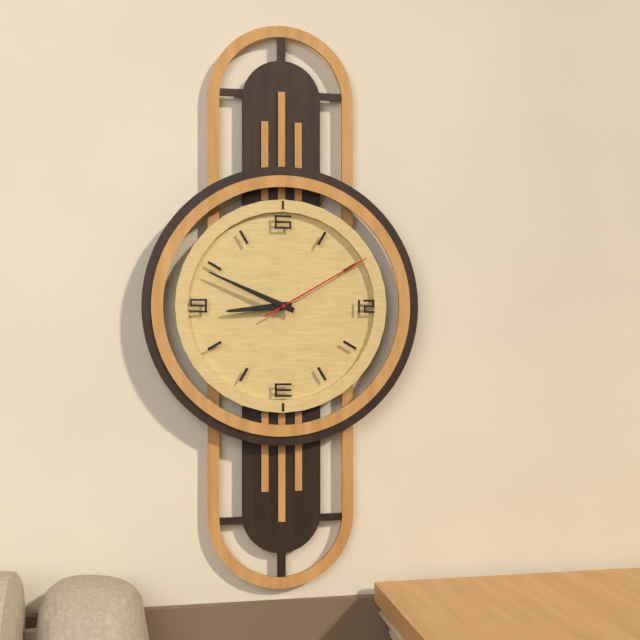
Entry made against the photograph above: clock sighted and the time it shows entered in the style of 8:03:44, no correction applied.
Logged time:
8:49:10
